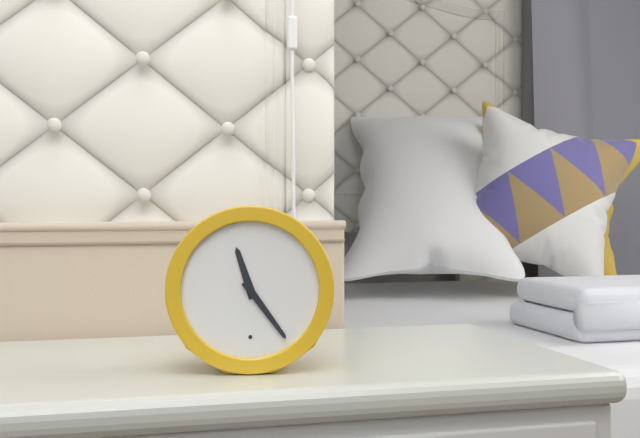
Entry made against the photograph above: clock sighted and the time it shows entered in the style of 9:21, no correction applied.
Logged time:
11:24
